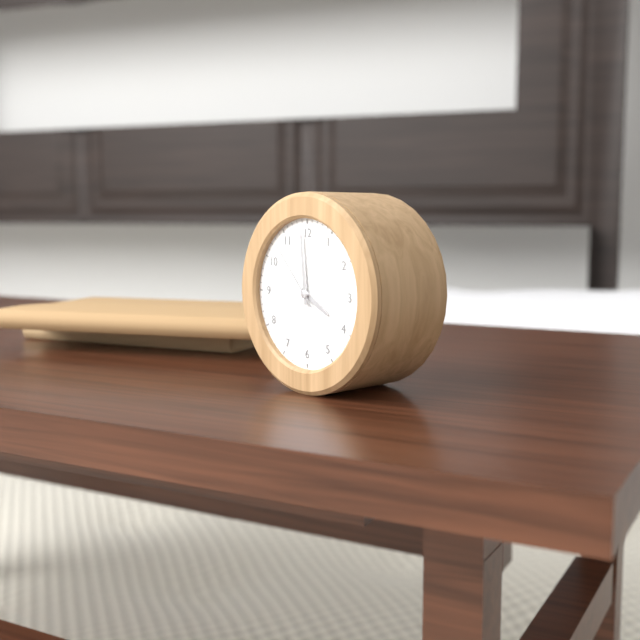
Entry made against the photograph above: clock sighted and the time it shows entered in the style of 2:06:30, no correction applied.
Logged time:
3:59:53
